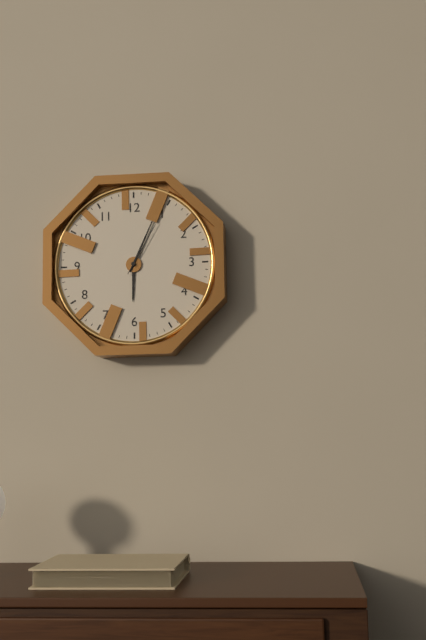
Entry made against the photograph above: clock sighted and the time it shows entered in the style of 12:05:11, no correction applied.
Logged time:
6:04:05
